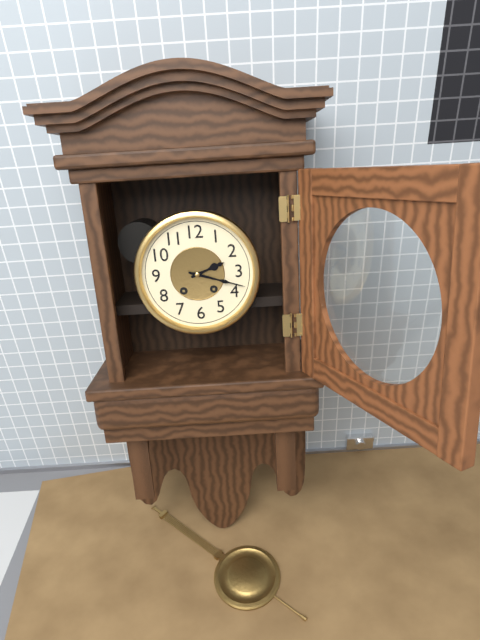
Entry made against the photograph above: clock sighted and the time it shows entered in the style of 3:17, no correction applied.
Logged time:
2:18
